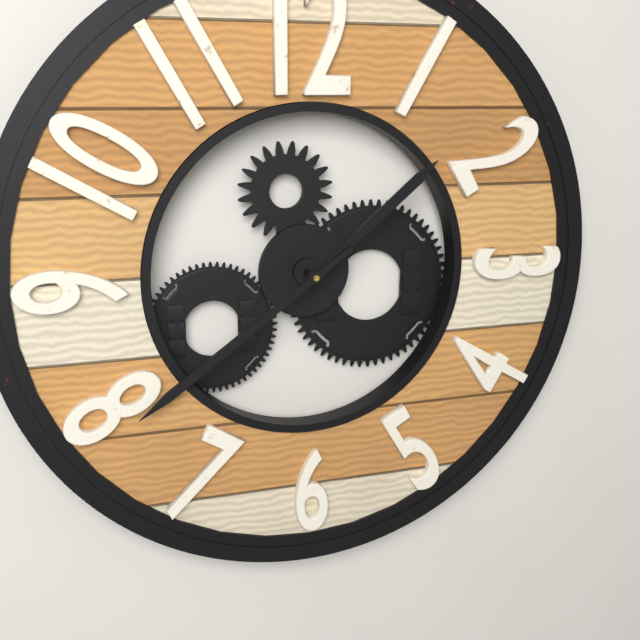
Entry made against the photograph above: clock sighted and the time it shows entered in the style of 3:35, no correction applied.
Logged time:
1:39
